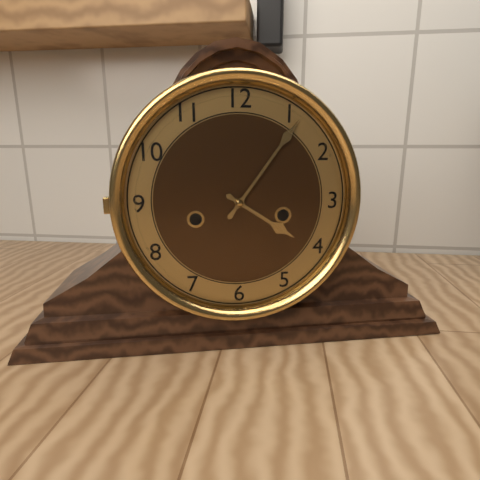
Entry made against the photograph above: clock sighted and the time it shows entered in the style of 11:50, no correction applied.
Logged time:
4:06
